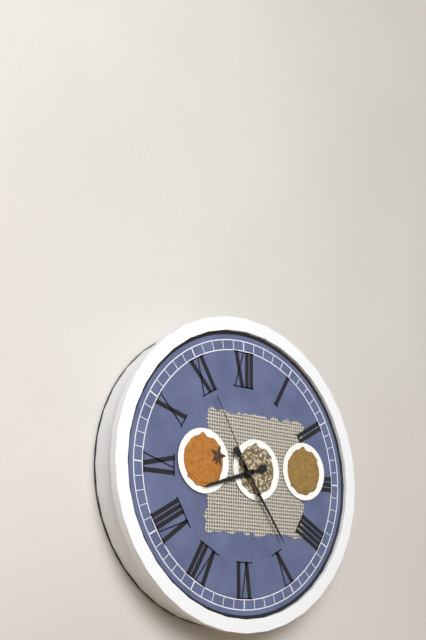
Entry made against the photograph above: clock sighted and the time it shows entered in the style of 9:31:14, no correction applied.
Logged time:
8:24:55
